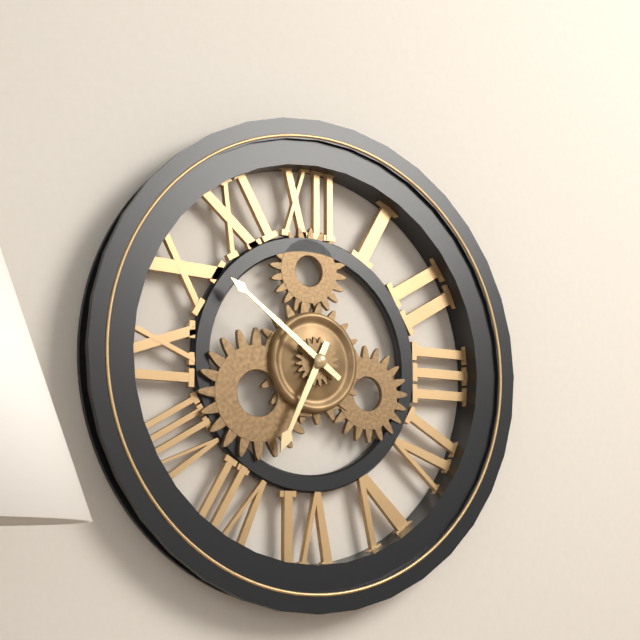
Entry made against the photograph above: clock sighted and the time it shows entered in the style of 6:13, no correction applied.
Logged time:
6:51
